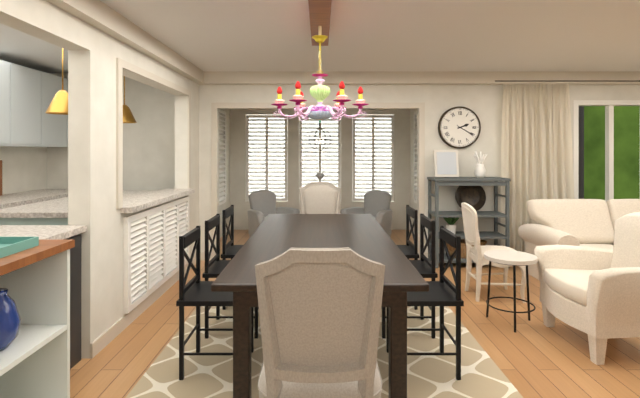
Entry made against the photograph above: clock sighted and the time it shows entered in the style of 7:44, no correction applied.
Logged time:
2:20
